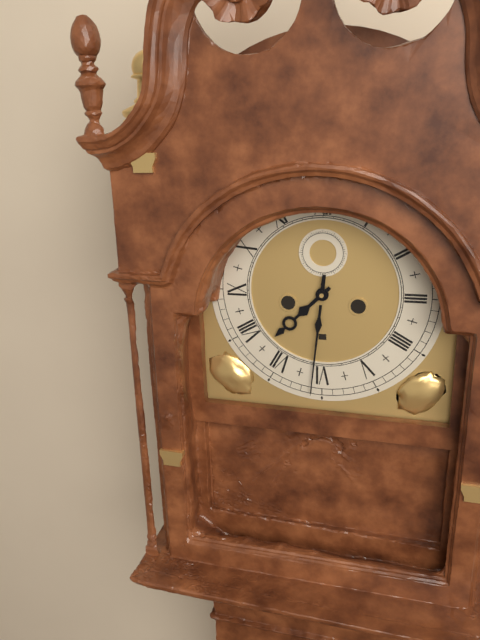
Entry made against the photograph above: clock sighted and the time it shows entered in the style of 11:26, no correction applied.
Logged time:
7:31
